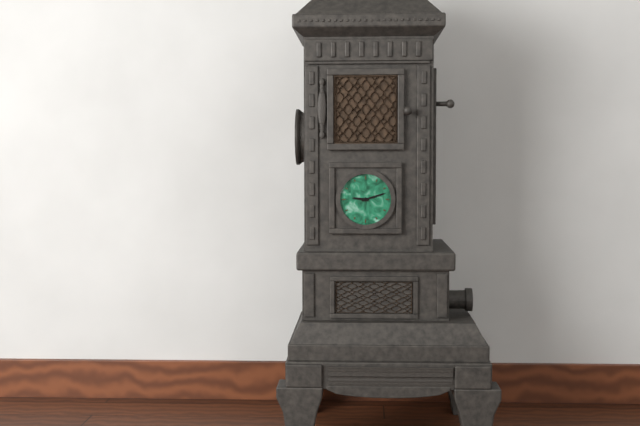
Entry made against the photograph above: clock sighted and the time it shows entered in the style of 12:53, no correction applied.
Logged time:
9:12
